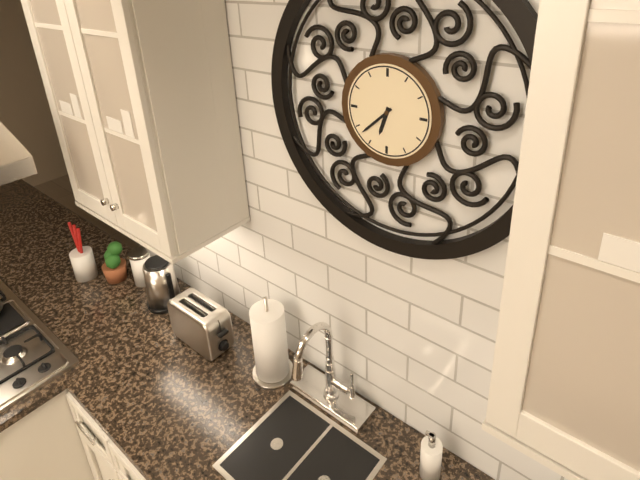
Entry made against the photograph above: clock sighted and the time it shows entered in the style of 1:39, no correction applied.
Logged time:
6:38
